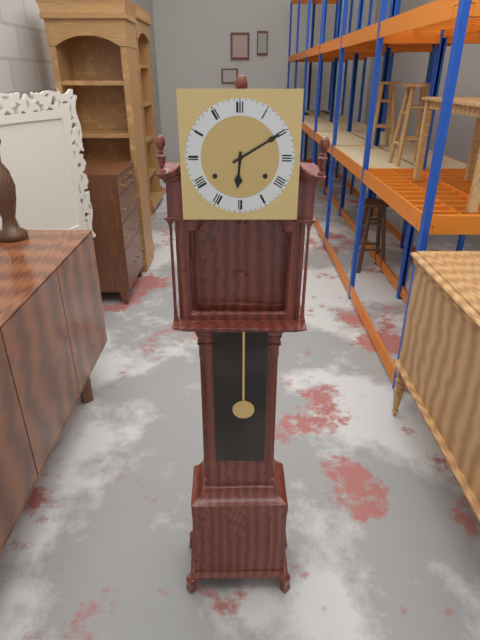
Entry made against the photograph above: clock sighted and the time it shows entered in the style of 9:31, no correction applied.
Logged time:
6:10
